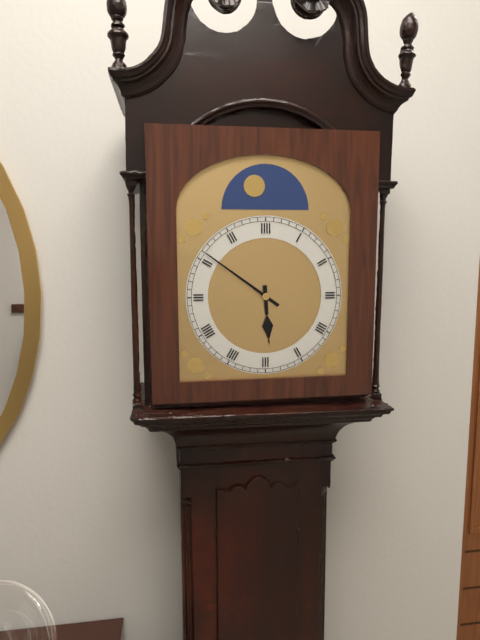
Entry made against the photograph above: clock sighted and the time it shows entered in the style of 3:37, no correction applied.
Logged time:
5:51
